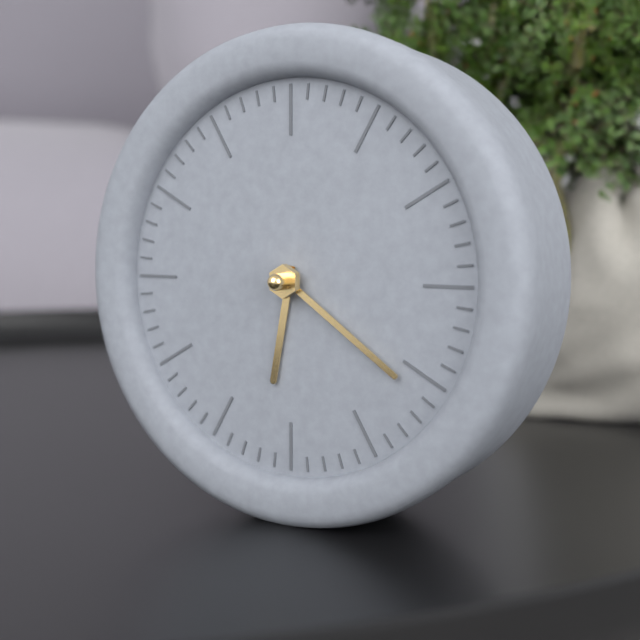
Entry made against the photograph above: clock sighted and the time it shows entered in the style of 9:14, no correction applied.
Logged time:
6:21
